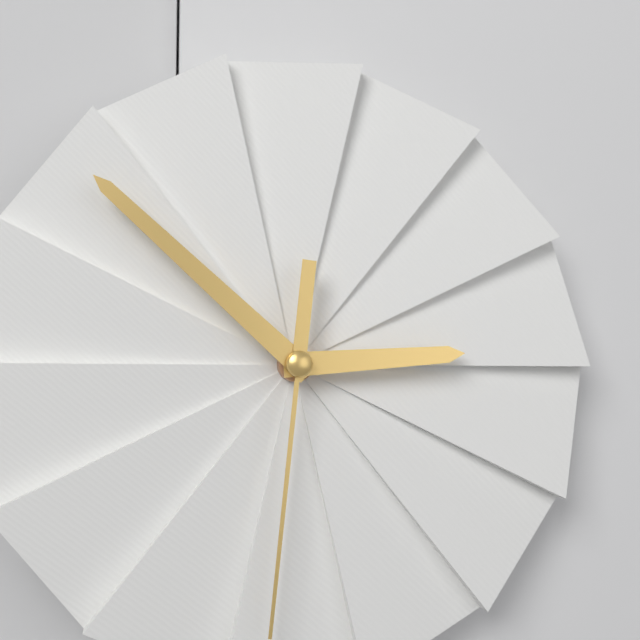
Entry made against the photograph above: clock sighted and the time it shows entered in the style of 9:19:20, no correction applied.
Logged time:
2:52:31
